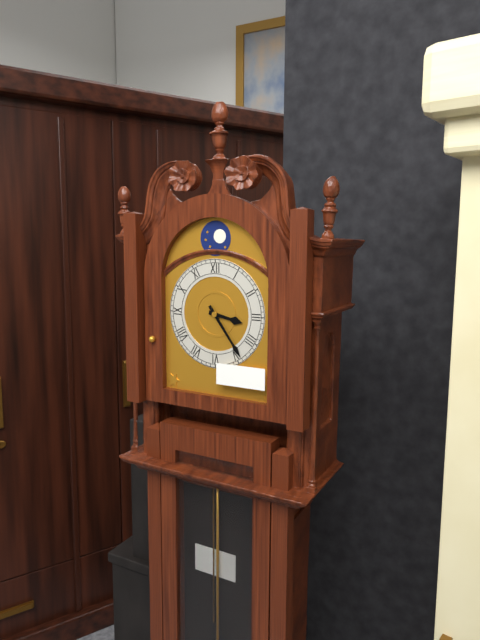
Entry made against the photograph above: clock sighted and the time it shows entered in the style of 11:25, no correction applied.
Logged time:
3:24
